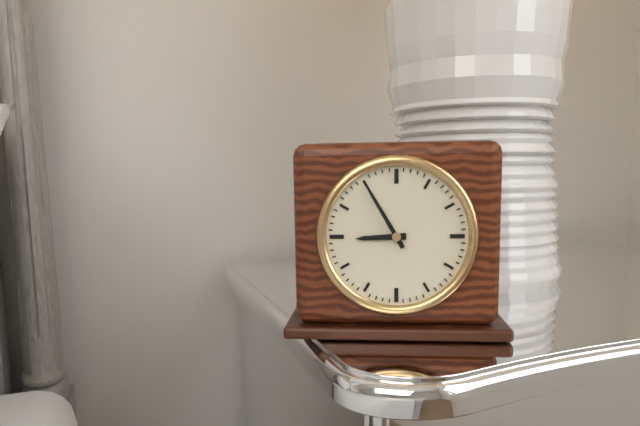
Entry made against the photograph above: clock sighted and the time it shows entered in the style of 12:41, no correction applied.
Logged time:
8:55
